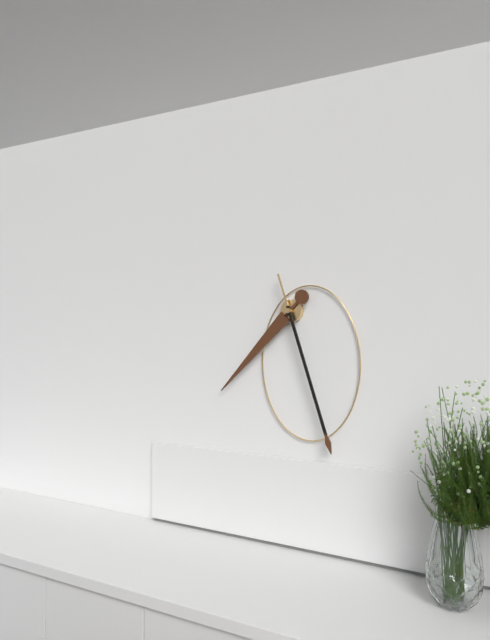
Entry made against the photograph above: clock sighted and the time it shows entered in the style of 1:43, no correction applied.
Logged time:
7:27
